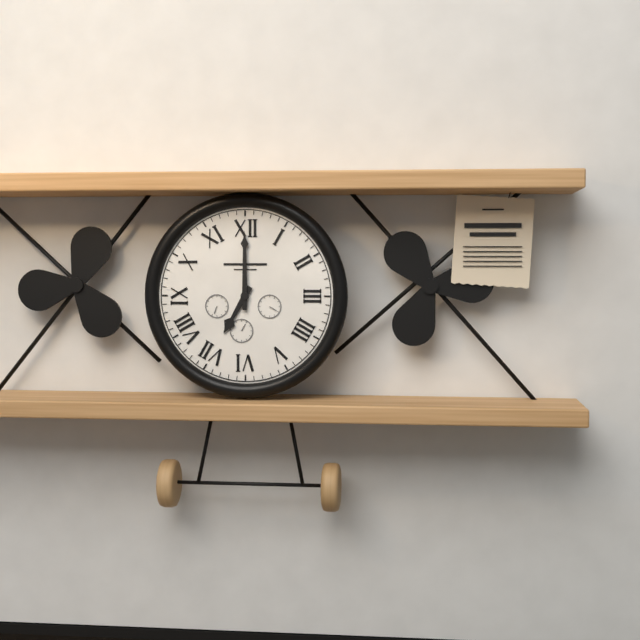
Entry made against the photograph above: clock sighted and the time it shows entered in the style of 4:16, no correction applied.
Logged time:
7:00
